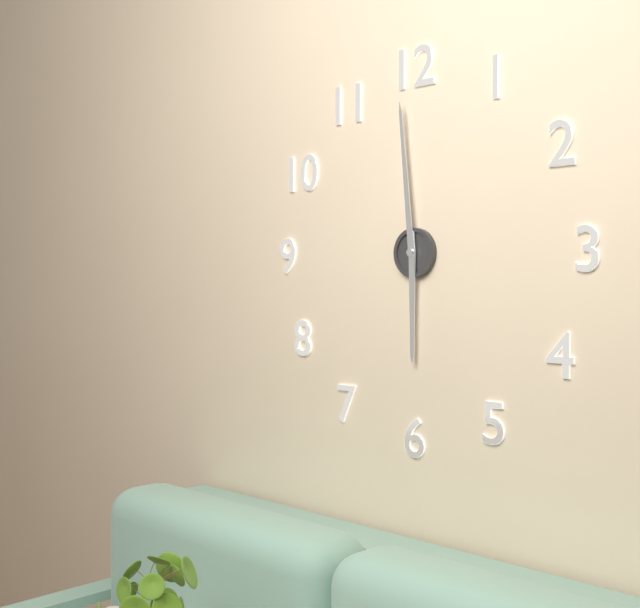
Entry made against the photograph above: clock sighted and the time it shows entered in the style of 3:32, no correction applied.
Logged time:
5:59
